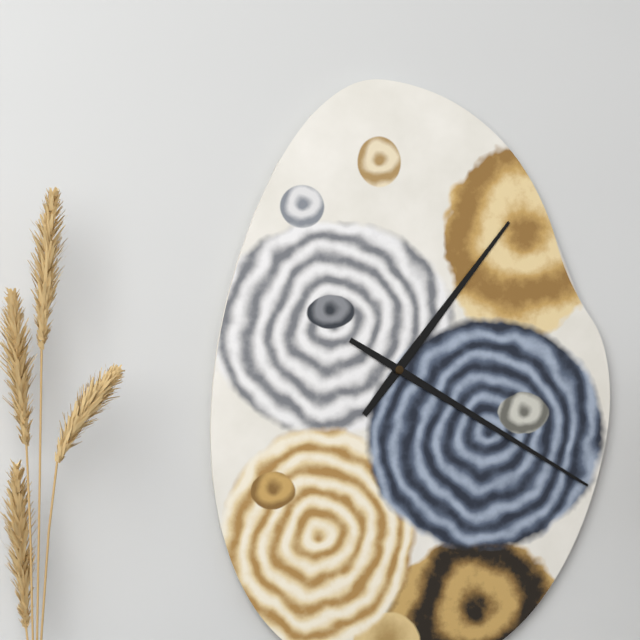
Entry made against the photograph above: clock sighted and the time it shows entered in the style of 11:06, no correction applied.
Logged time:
1:20
